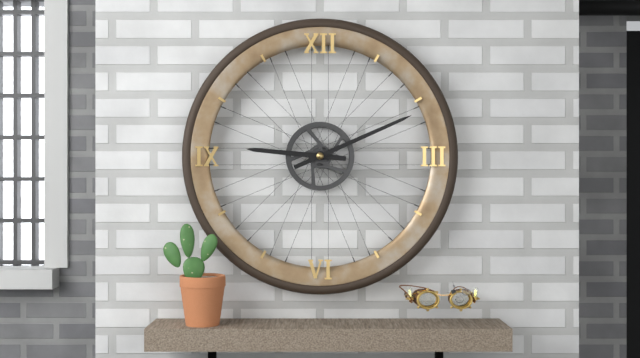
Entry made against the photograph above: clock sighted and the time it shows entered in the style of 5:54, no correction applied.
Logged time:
9:11
